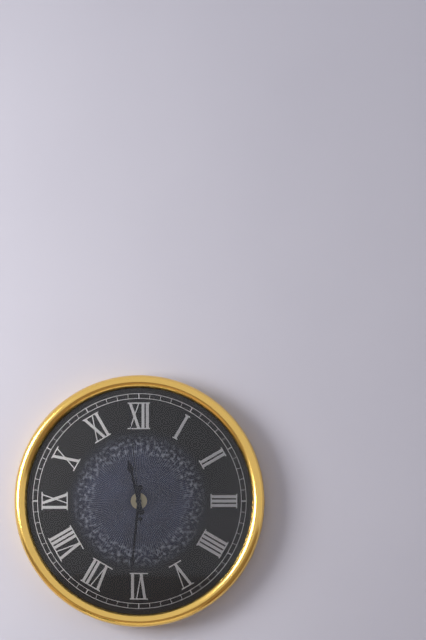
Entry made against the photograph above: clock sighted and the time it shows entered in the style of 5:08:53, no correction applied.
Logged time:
11:31:59
